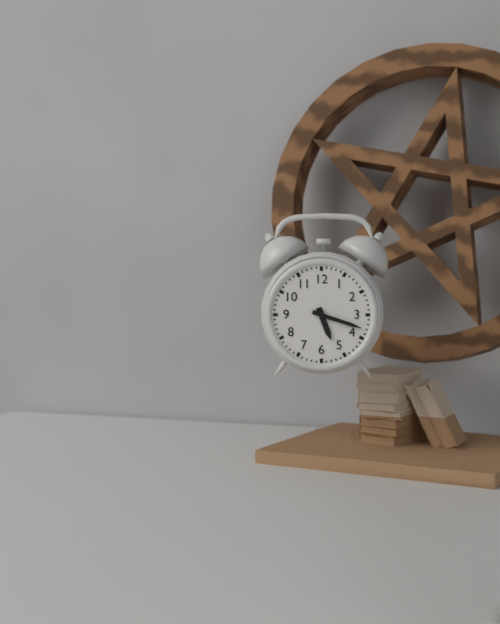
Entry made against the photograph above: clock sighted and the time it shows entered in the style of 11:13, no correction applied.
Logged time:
5:18
